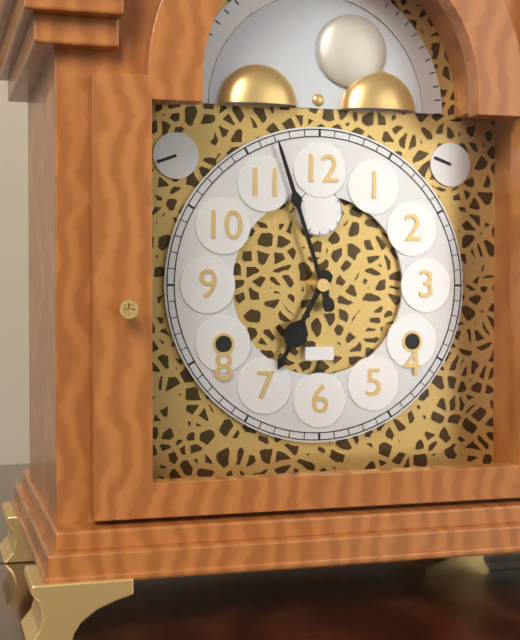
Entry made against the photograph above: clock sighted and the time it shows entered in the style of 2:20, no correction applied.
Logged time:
6:57
